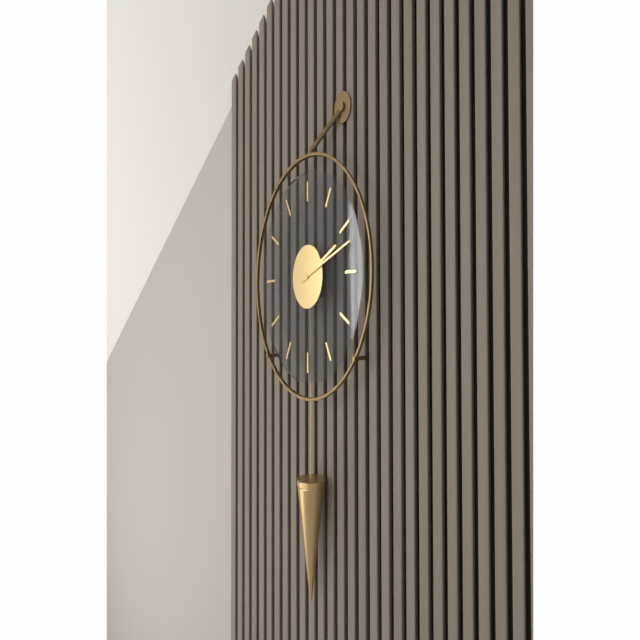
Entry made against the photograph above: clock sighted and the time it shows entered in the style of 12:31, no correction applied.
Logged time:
2:12
